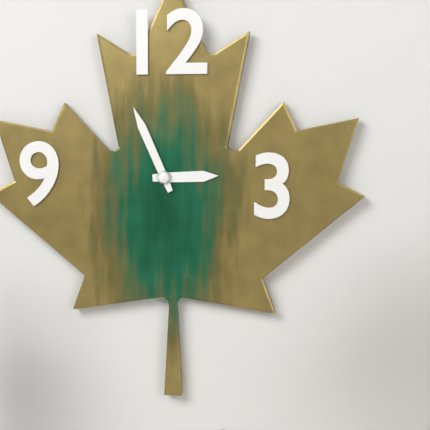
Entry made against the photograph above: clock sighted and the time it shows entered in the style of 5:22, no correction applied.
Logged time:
2:56
